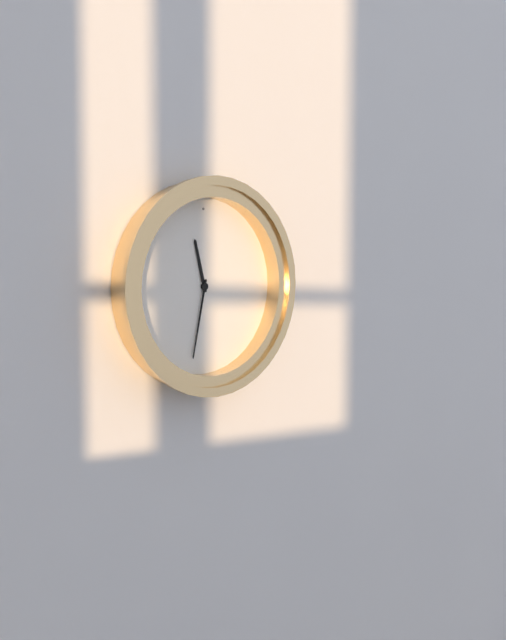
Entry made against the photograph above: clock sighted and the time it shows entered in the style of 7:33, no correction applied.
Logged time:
11:32
